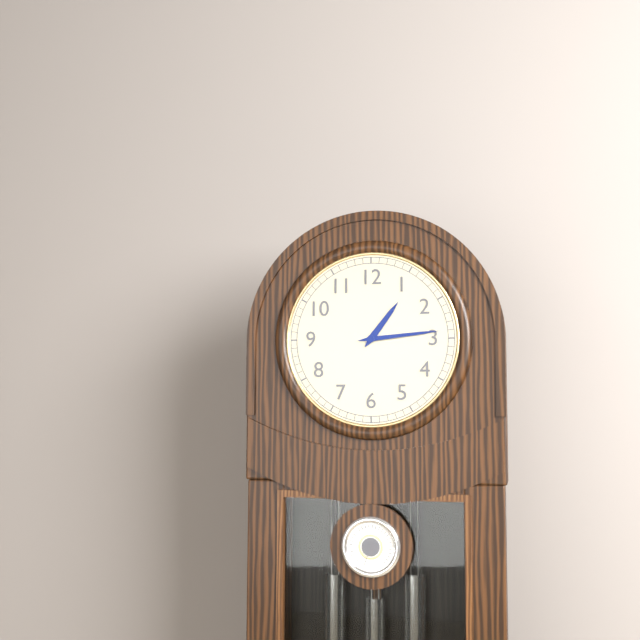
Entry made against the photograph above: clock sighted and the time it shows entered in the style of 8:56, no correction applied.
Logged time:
1:14
